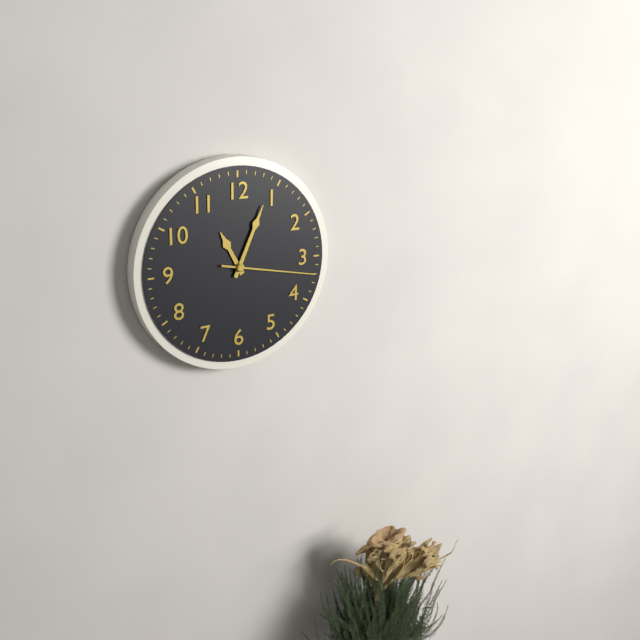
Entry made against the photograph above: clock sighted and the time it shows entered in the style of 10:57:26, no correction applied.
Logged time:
11:04:17
